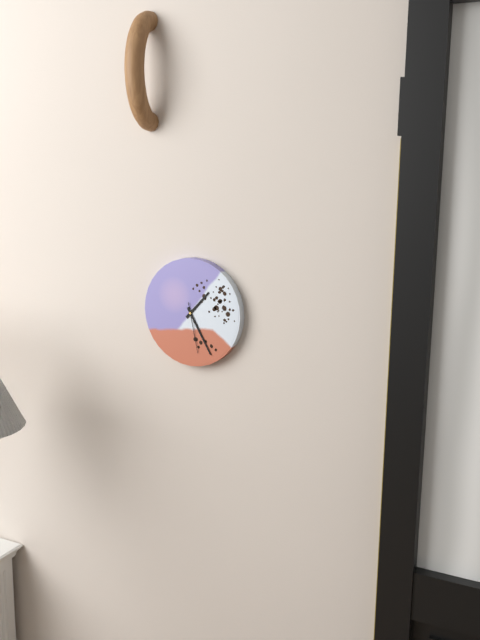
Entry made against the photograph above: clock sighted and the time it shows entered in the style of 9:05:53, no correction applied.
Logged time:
1:25:28
